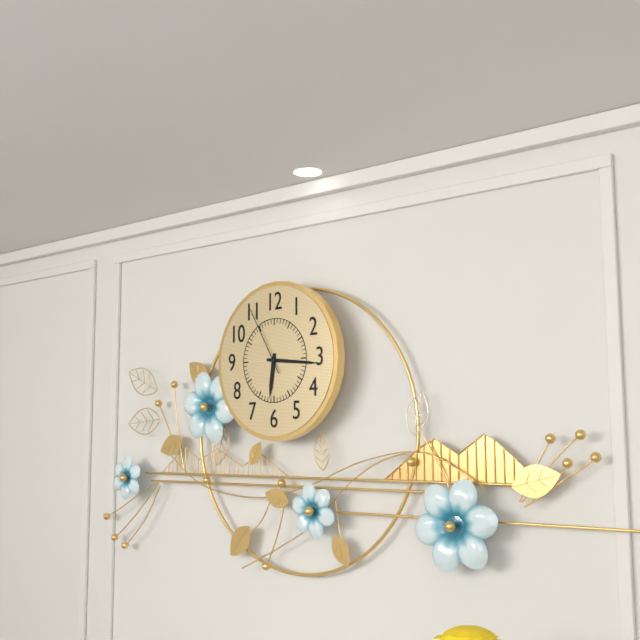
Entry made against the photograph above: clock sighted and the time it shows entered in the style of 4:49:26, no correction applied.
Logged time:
6:16:55
